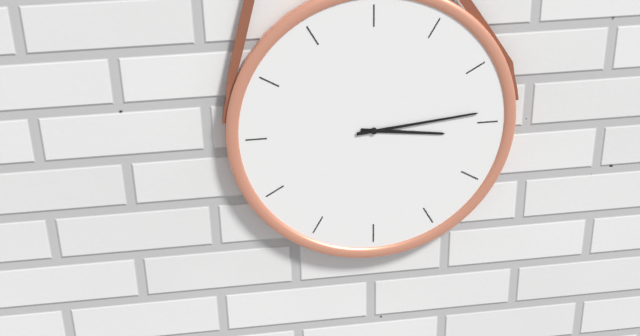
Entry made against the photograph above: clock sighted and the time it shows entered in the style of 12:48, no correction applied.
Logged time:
3:14
